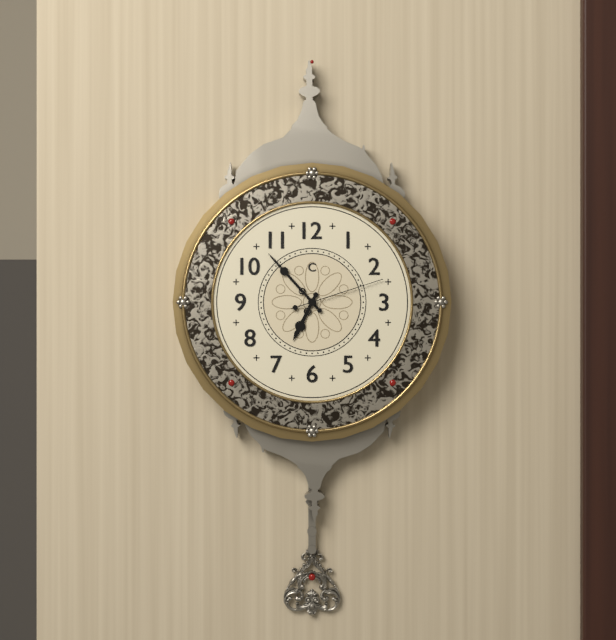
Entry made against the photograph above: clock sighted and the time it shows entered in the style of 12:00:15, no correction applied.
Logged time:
6:53:12
